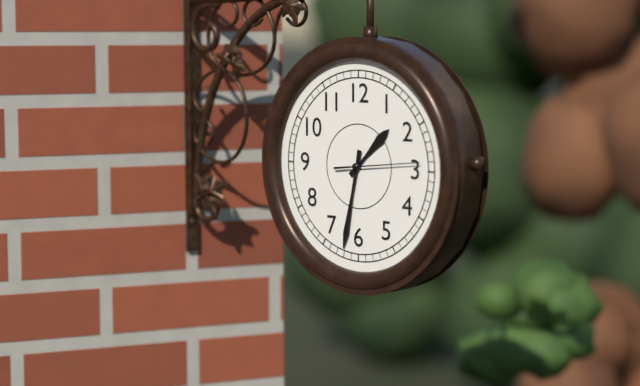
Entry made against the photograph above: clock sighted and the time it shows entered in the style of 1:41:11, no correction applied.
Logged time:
1:32:14
